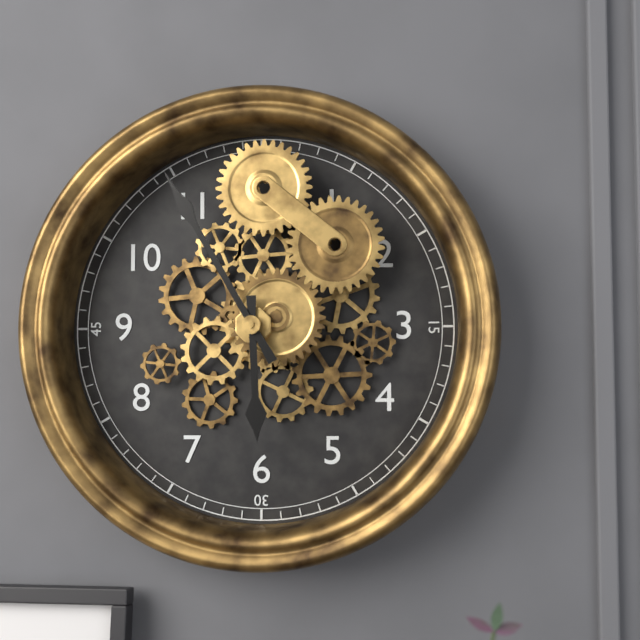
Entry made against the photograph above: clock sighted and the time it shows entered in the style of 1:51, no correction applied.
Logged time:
5:55
